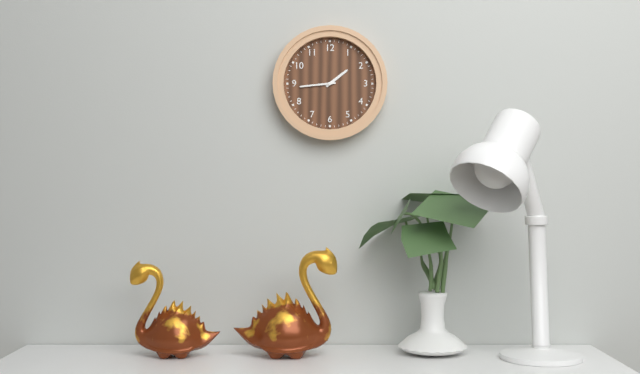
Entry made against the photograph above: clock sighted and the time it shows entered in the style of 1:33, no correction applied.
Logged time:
1:44
